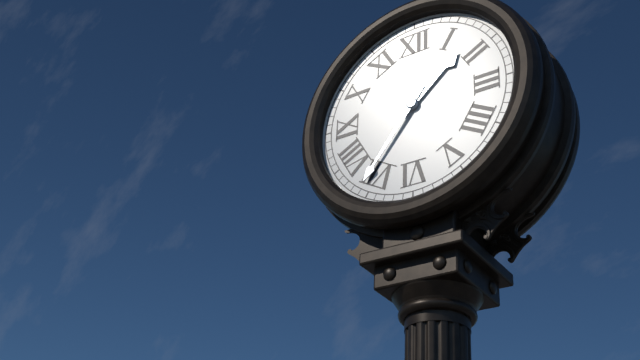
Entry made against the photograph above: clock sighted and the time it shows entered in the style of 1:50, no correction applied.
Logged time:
1:36
